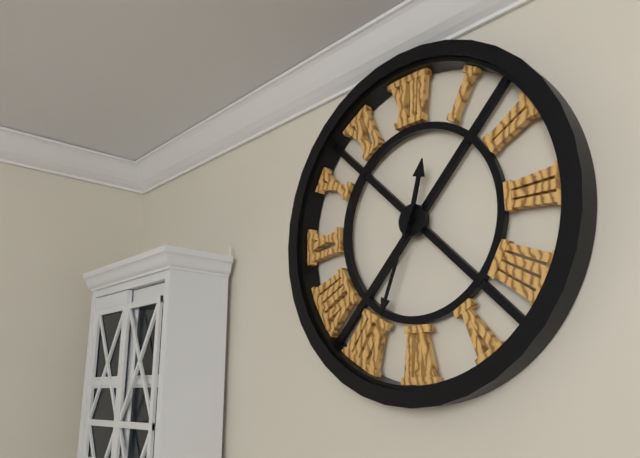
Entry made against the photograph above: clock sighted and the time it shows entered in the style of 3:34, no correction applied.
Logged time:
12:34
